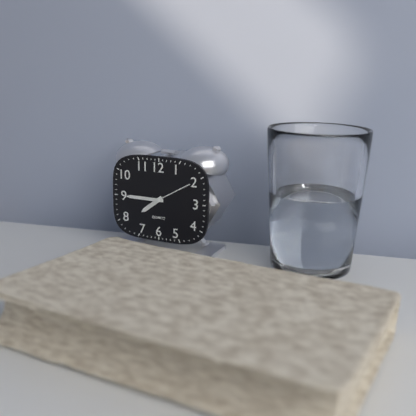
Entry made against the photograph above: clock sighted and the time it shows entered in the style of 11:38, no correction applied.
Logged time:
7:45
